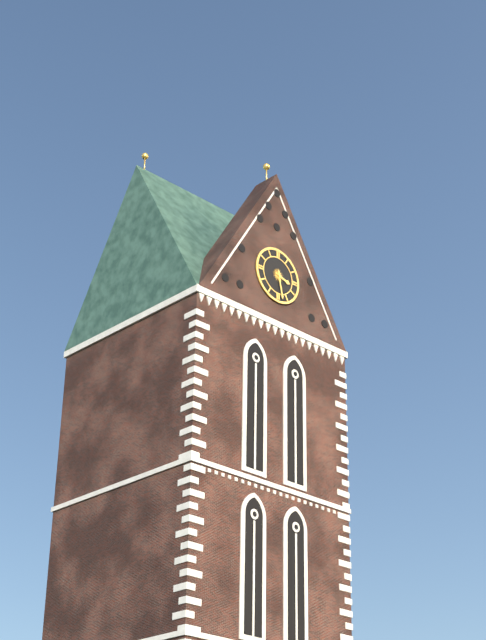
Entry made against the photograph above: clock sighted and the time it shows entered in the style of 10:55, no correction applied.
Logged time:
3:28
